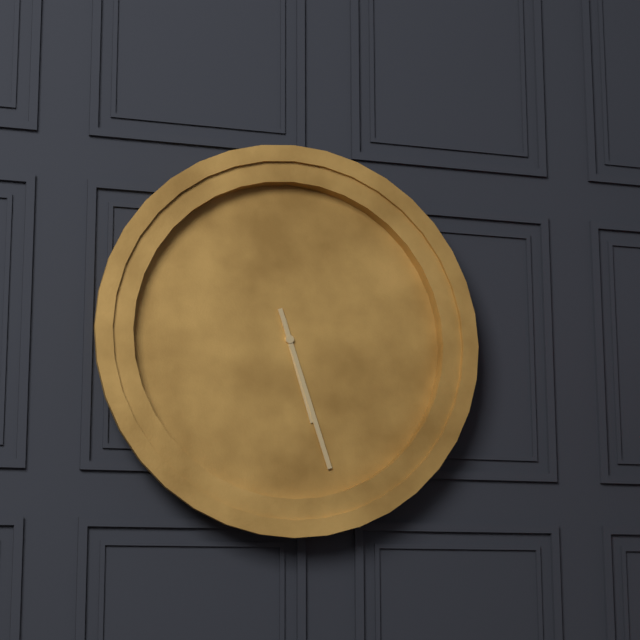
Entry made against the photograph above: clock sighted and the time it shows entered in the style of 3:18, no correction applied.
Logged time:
5:27
